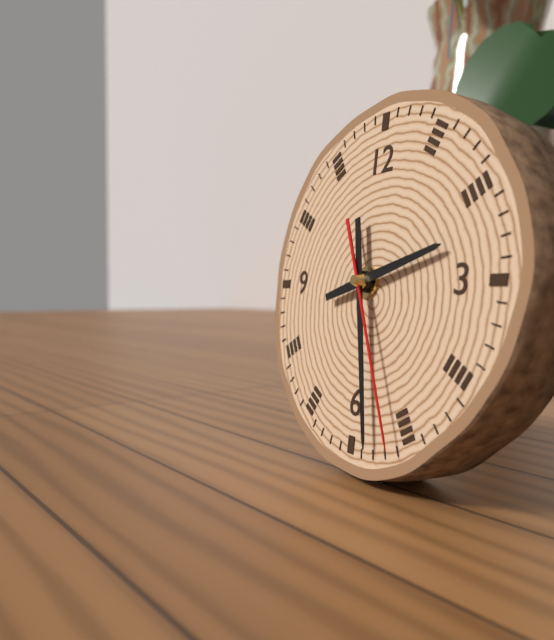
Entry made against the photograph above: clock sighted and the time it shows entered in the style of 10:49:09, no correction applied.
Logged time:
2:28:26
